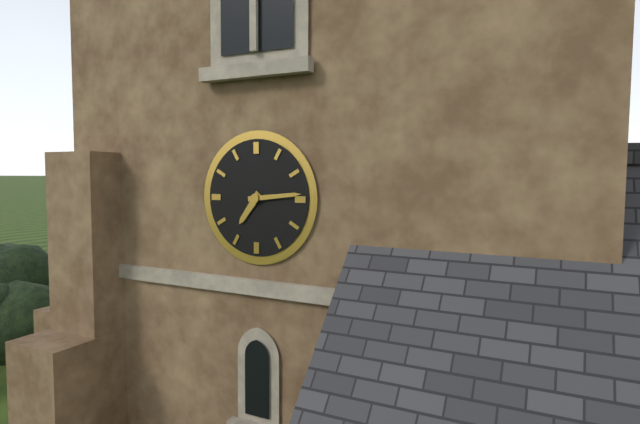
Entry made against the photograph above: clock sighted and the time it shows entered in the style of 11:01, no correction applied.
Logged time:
7:14
